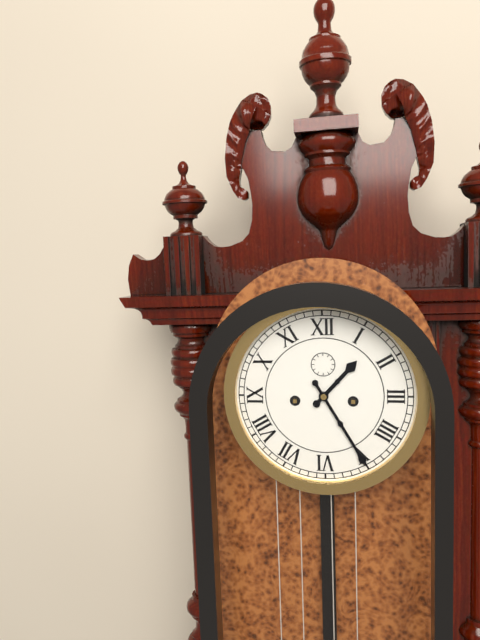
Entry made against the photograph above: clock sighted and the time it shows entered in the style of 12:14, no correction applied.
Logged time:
1:25
